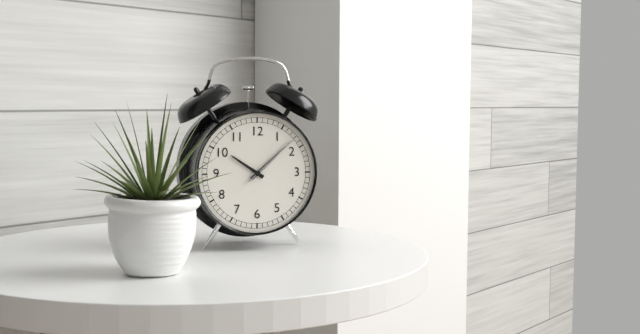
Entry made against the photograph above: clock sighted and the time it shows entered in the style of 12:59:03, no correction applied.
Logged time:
10:08:08
